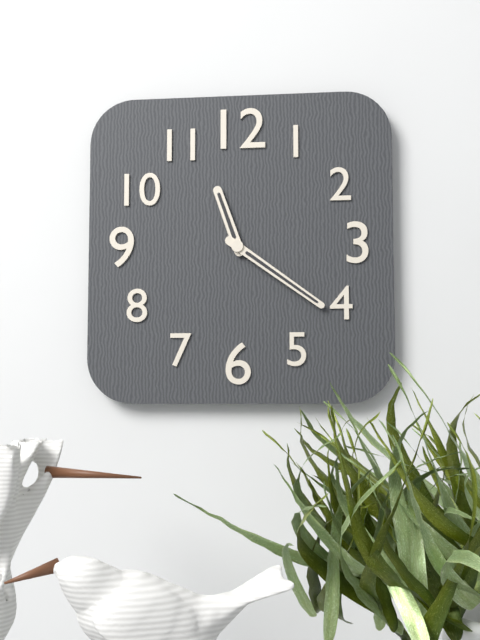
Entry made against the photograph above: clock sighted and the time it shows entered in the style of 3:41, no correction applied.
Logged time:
11:21
